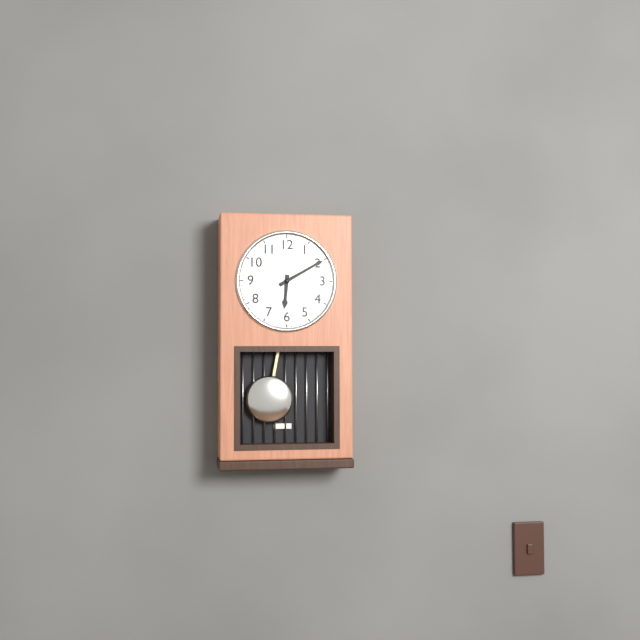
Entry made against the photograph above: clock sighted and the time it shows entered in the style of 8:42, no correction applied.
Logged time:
6:10
